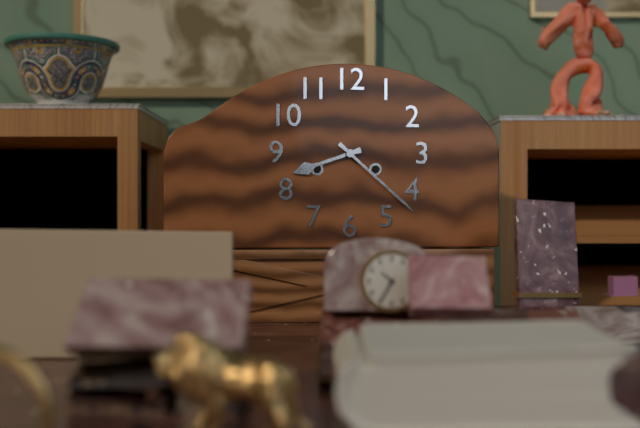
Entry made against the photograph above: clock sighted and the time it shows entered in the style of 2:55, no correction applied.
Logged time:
8:22
